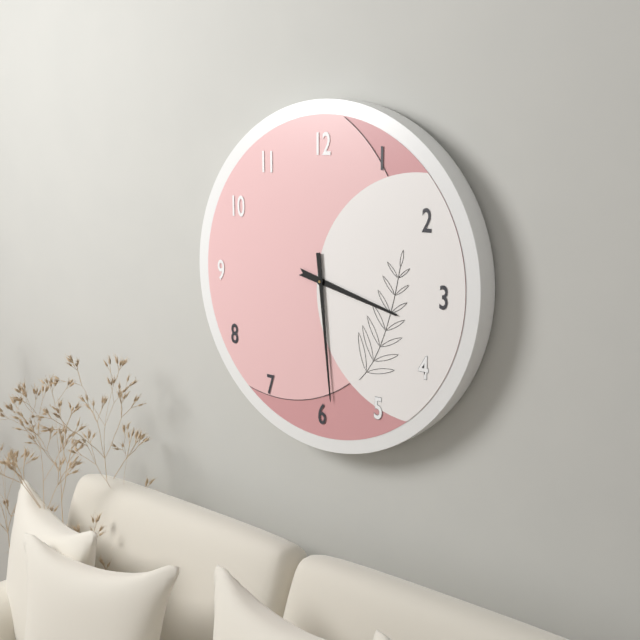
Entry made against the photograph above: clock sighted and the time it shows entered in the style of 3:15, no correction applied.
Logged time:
3:29
